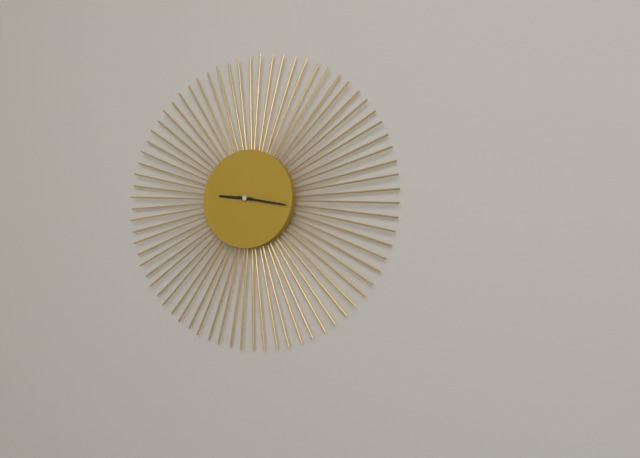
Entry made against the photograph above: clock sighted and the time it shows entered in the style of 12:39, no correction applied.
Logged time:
9:17
